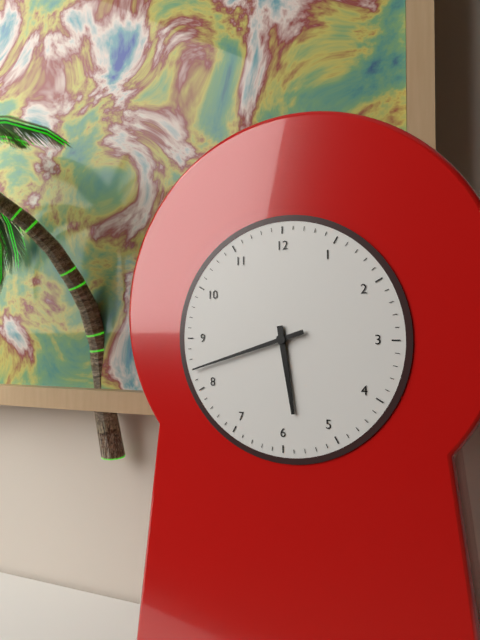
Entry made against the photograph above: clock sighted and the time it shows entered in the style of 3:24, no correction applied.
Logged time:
5:42
